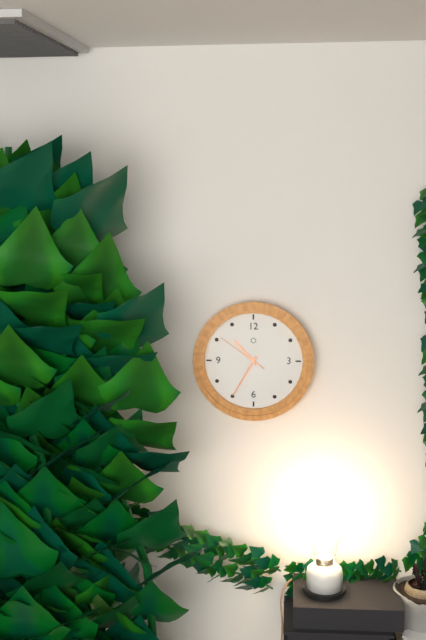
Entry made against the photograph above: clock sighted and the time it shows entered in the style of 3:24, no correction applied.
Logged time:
10:35
